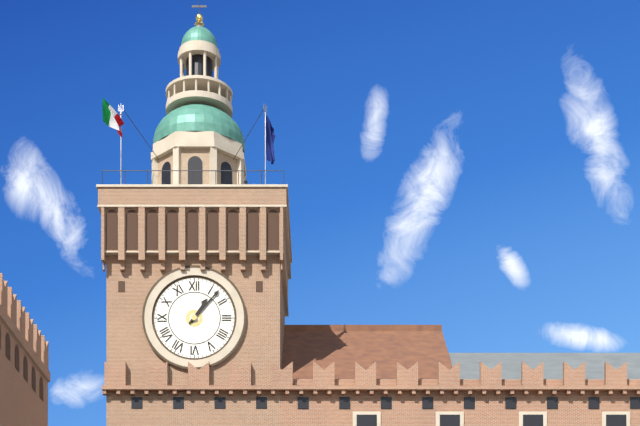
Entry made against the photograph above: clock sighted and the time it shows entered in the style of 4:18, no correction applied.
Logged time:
1:07
